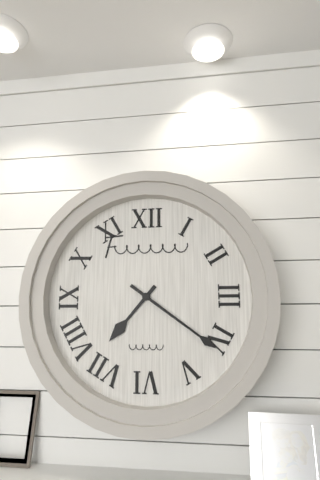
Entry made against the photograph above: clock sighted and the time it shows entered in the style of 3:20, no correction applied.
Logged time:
7:21
